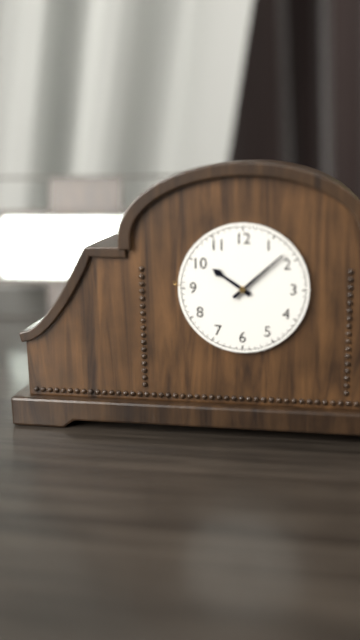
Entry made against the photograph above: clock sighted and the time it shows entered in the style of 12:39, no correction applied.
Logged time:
10:08
